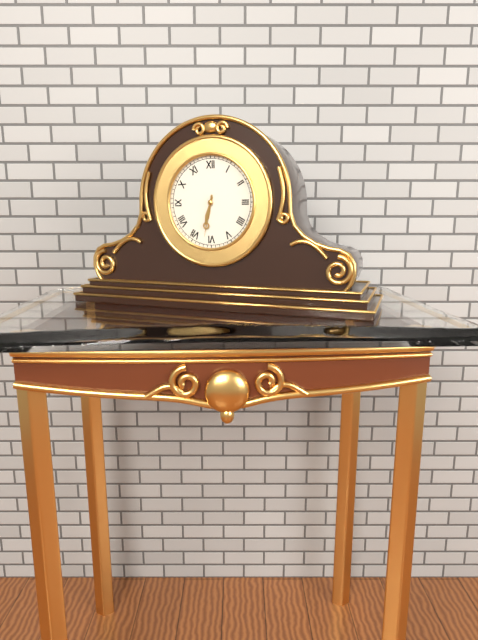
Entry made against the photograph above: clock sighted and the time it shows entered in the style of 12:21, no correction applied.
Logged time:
6:32
